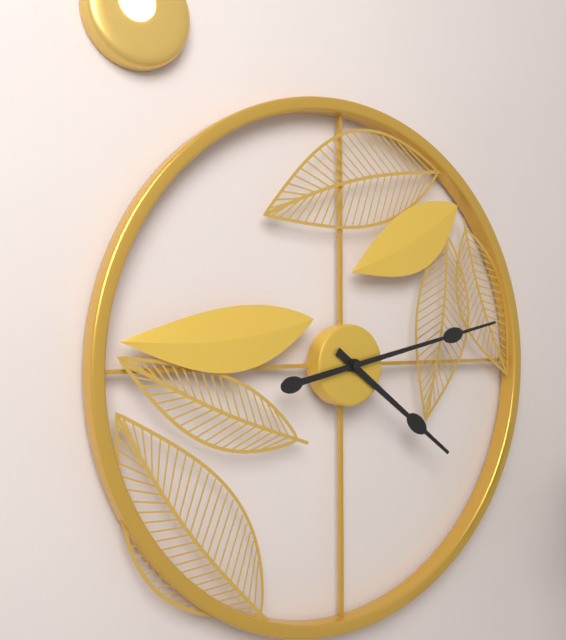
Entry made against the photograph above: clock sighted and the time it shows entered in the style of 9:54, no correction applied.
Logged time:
4:13
